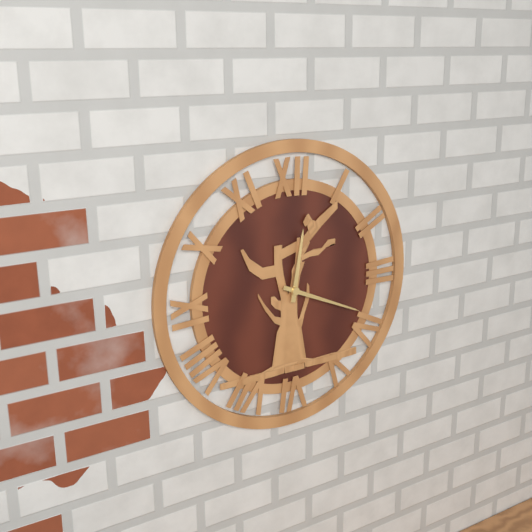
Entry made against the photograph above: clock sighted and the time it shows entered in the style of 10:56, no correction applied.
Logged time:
12:19
